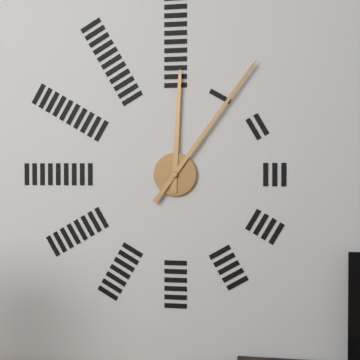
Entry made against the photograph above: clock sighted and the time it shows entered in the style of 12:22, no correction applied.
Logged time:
12:06
